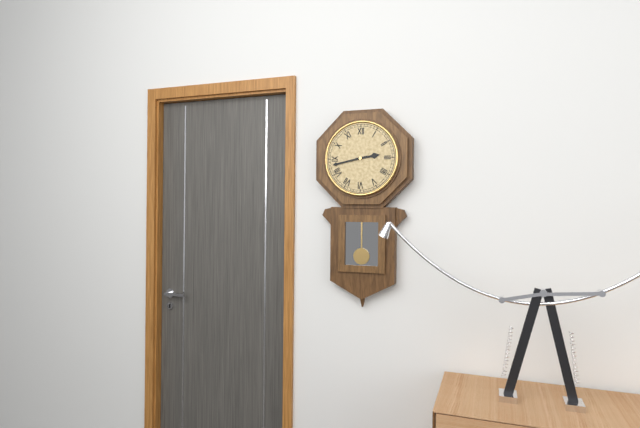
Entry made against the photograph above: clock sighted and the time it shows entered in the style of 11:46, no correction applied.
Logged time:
2:43
